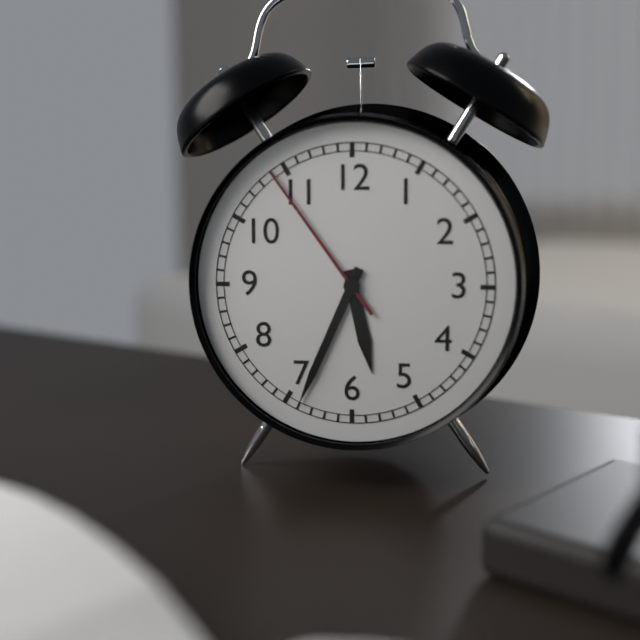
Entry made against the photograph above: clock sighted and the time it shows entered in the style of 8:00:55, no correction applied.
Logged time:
5:34:54
